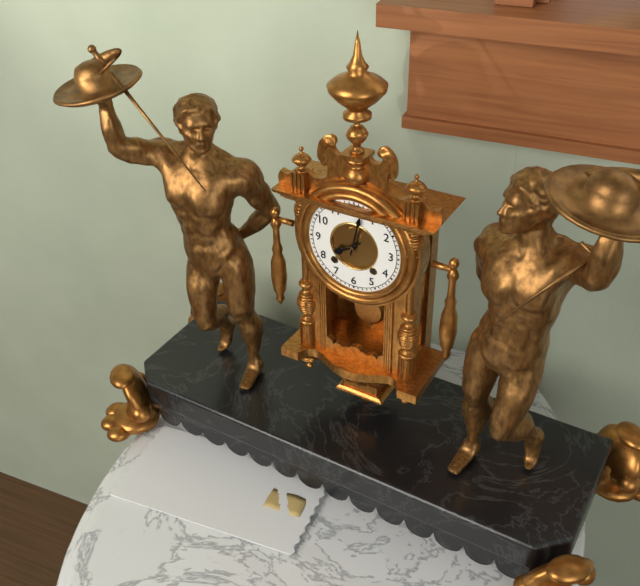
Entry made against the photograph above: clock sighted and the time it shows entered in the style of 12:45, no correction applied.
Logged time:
8:02
